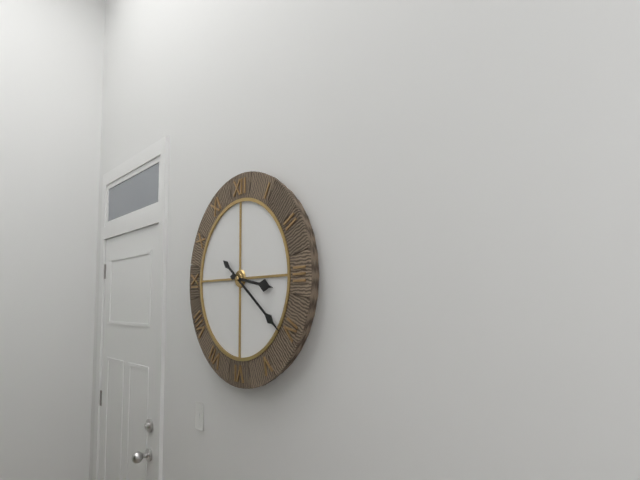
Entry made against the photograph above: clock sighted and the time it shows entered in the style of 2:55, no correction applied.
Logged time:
3:21
